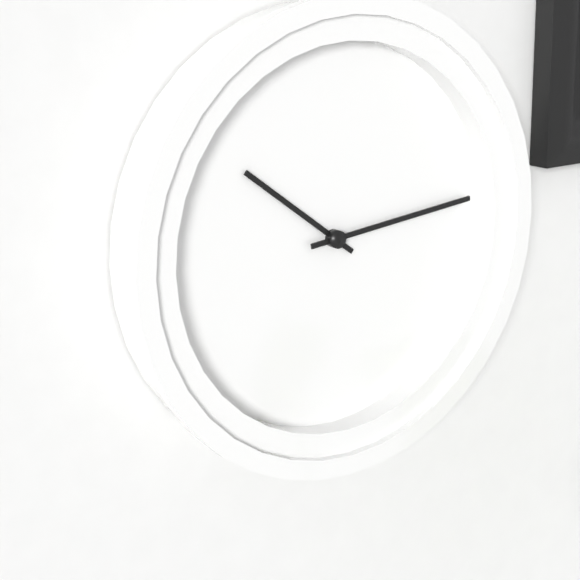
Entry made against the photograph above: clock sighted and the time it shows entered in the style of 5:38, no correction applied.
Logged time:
10:14
